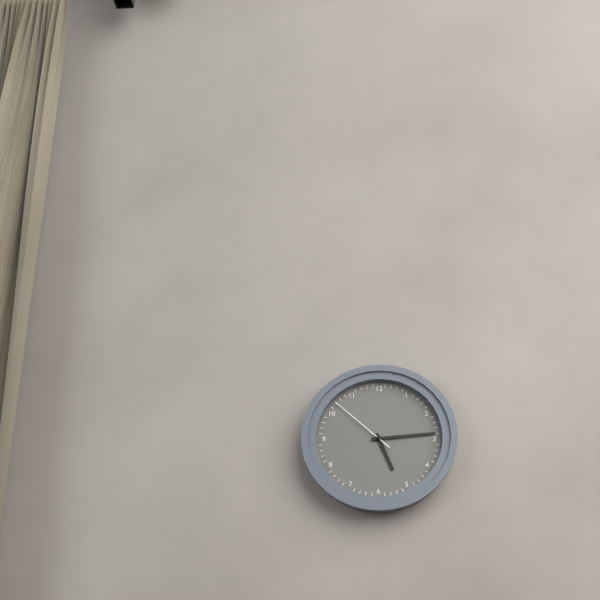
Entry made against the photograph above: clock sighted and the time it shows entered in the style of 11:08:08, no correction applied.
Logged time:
5:14:52
